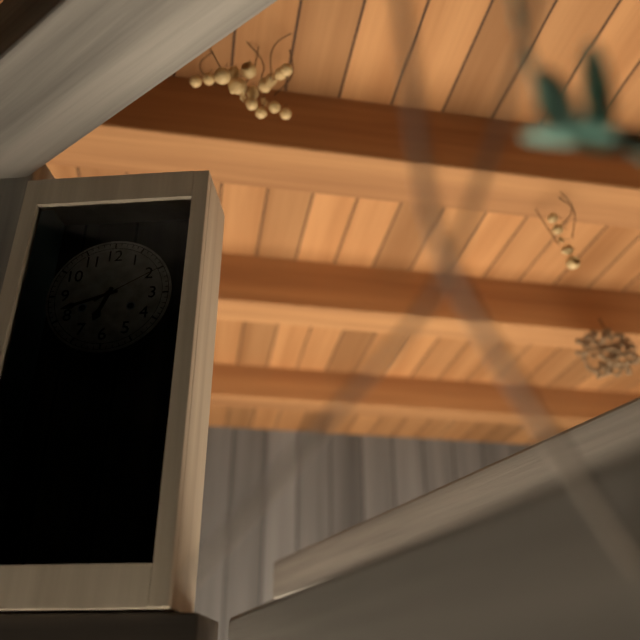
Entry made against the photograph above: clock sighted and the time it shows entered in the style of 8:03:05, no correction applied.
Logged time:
6:42:10
